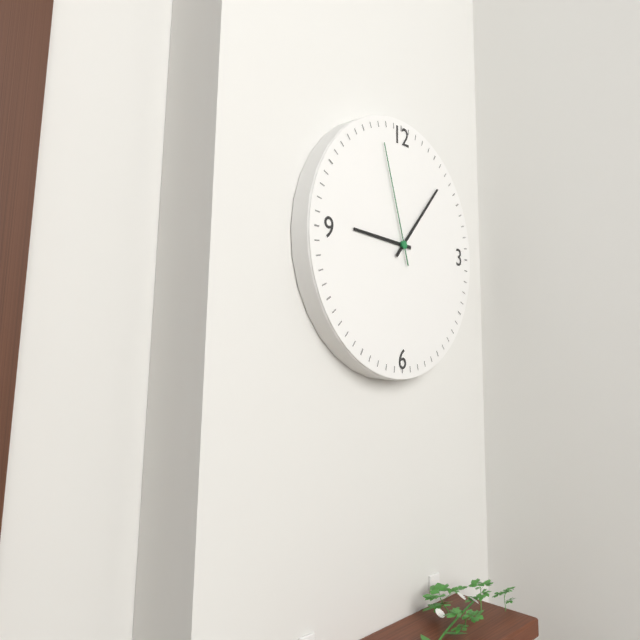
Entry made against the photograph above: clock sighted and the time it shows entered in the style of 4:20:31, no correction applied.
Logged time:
9:07:57
